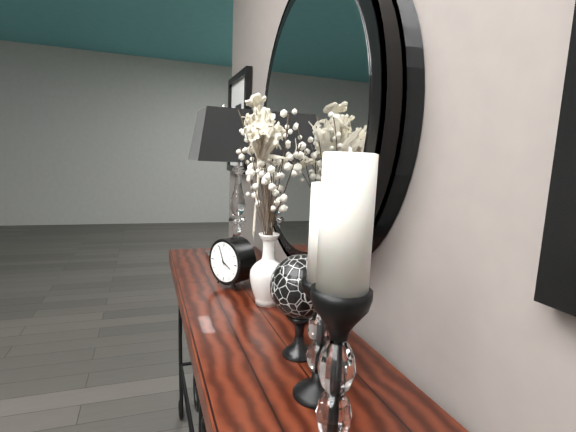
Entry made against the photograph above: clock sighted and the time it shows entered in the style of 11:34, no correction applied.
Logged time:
3:56
